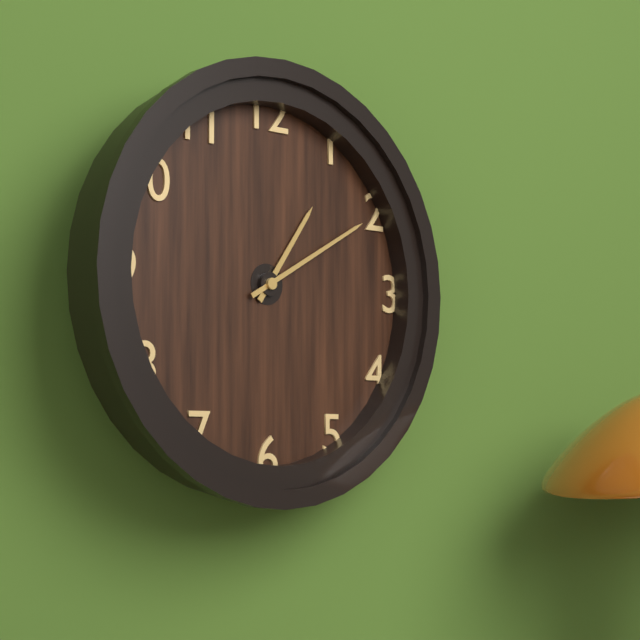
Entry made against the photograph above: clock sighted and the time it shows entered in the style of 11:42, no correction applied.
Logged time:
1:10
